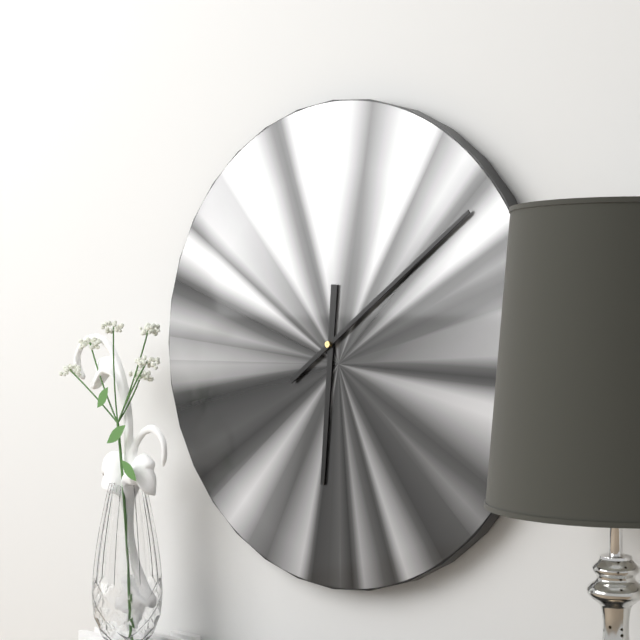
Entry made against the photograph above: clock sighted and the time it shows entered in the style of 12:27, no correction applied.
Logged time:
6:09
